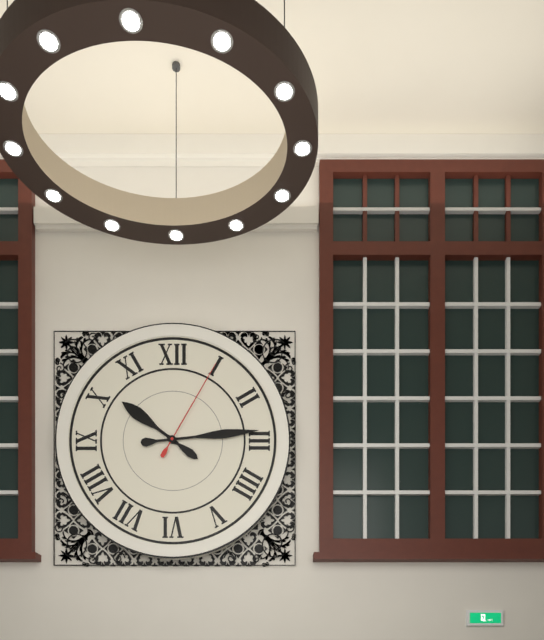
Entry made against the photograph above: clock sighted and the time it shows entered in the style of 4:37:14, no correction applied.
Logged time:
10:14:05
